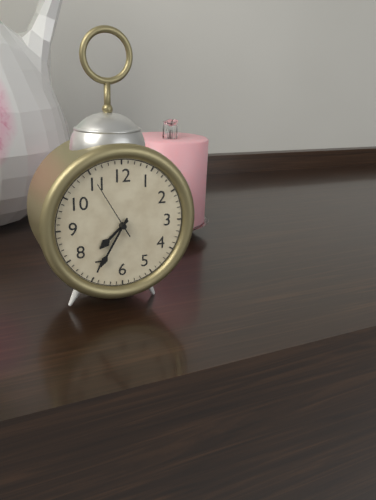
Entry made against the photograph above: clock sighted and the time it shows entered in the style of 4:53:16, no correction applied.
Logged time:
7:35:55
